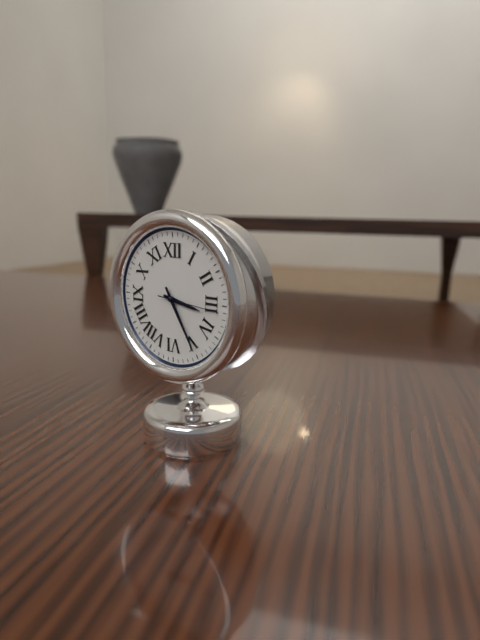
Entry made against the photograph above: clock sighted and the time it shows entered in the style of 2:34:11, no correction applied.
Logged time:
3:25:16
